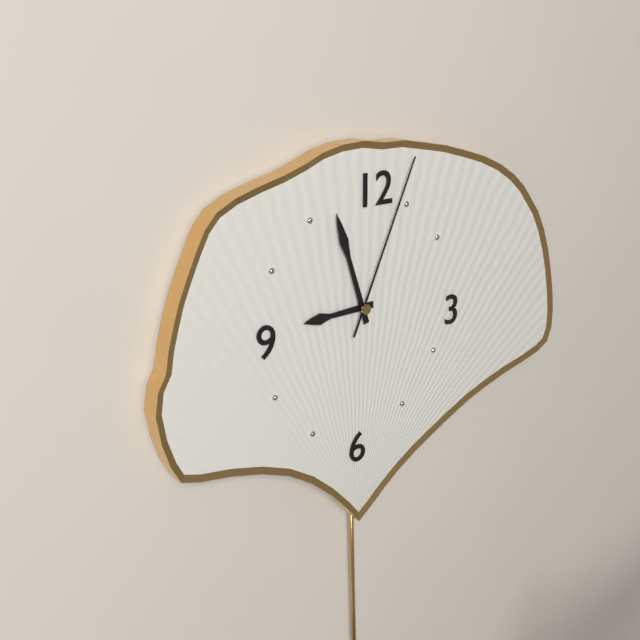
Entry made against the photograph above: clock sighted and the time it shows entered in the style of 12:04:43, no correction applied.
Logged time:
8:57:04
